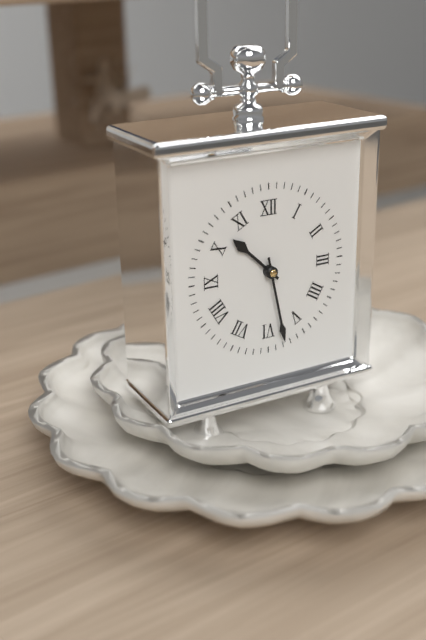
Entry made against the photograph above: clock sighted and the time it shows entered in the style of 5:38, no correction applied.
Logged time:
10:28
